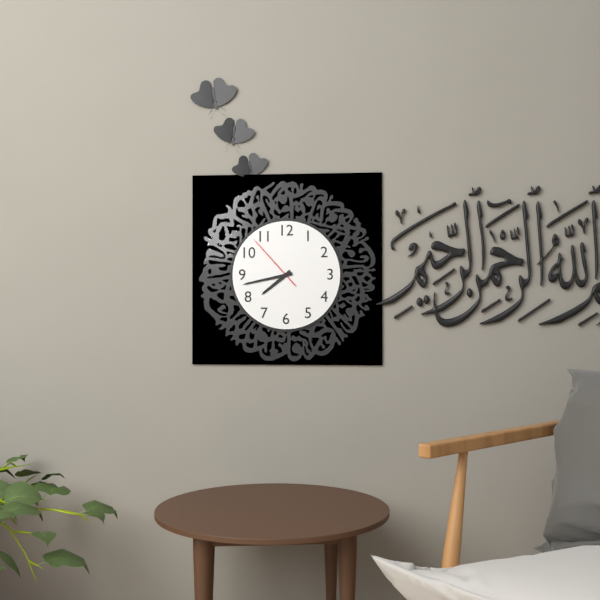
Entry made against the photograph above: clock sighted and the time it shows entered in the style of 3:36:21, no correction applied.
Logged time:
7:43:53
